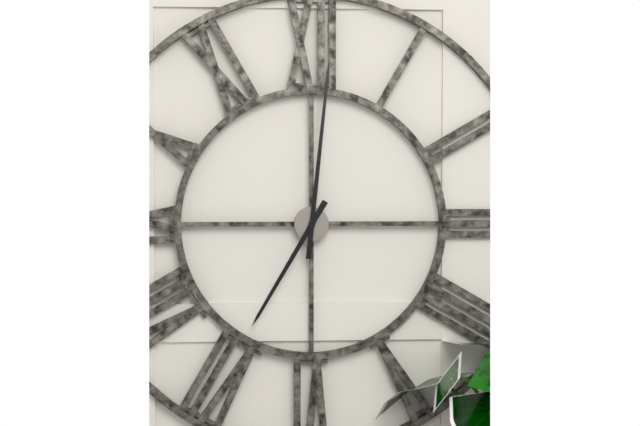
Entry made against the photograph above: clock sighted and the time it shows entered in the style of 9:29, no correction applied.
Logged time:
7:01
